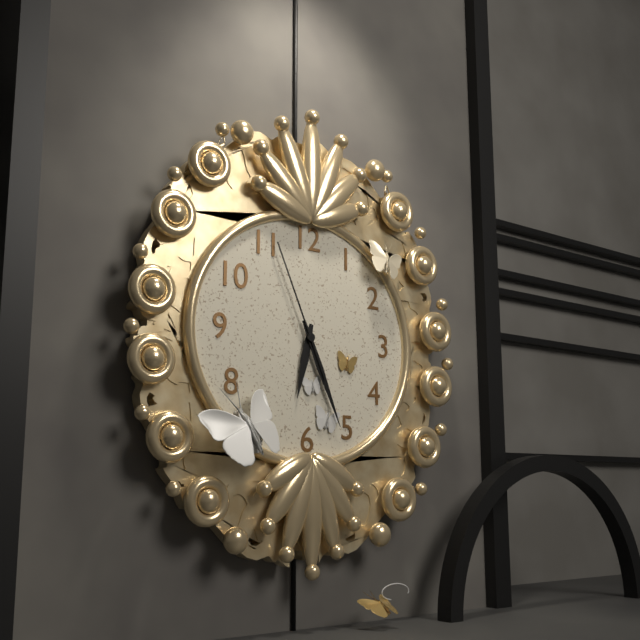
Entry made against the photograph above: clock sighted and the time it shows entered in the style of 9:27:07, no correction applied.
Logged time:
6:26:56
